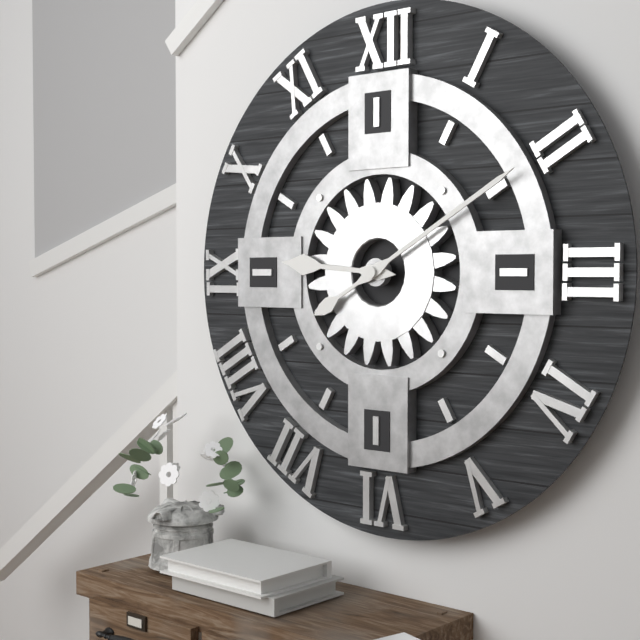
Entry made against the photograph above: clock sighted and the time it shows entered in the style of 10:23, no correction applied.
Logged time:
9:10
